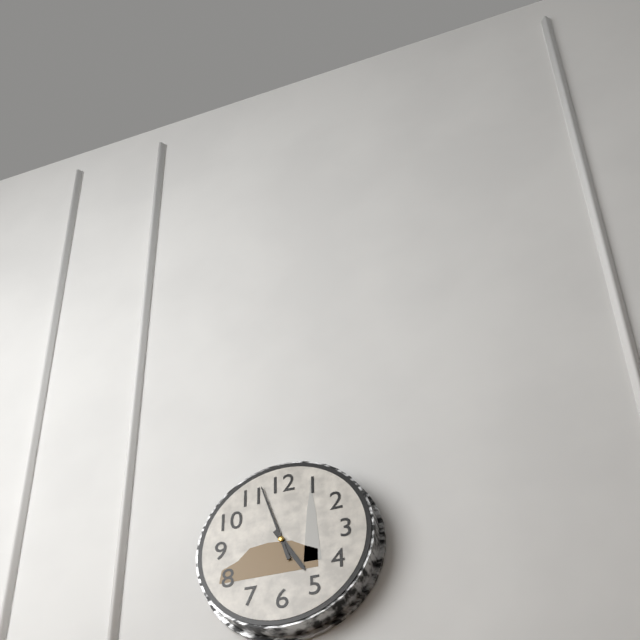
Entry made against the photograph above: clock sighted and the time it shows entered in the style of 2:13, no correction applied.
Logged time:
4:57
